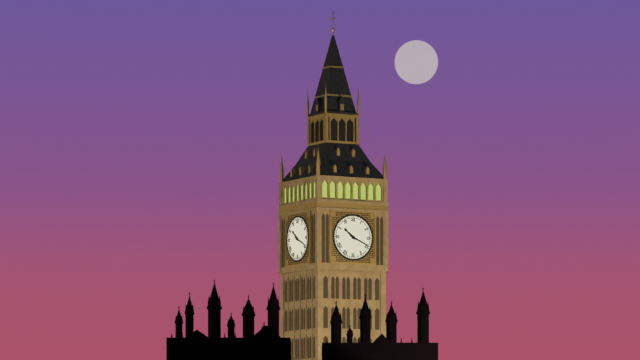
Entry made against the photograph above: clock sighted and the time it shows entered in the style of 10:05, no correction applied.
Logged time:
10:19
